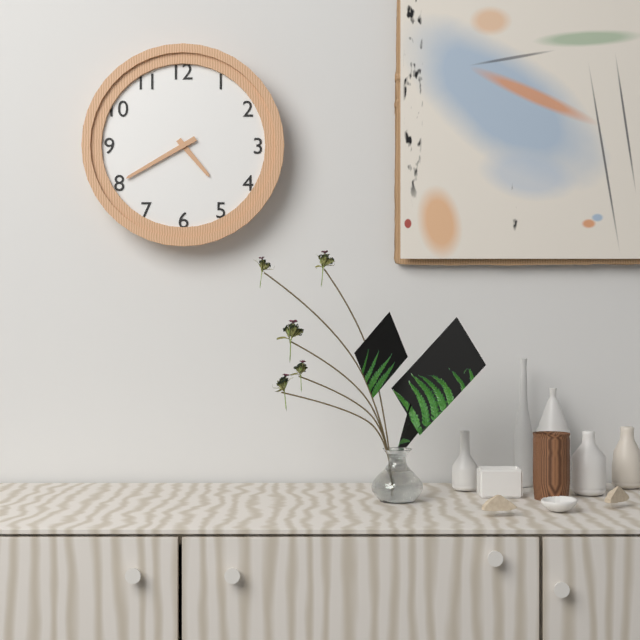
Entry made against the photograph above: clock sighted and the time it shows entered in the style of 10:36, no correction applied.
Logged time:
4:40
